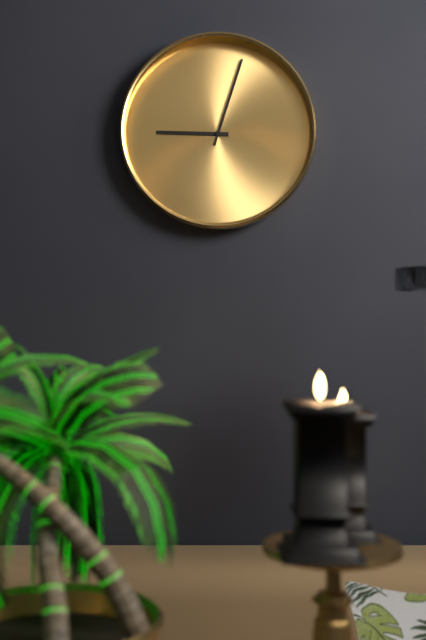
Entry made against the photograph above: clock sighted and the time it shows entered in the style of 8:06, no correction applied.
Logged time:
9:03
